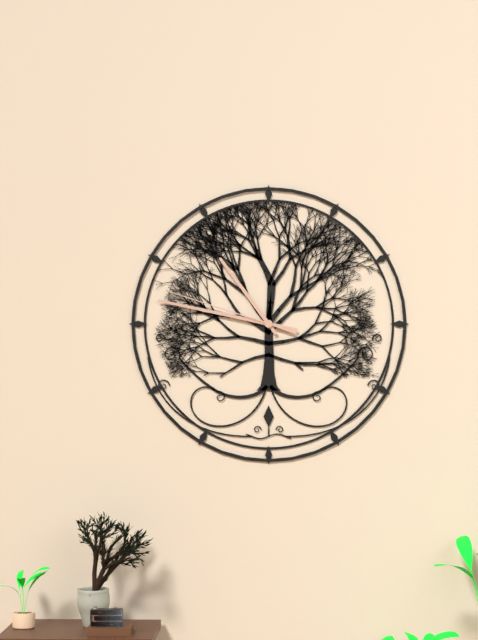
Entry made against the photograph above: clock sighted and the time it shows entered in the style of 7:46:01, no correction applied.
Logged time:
10:47:48
